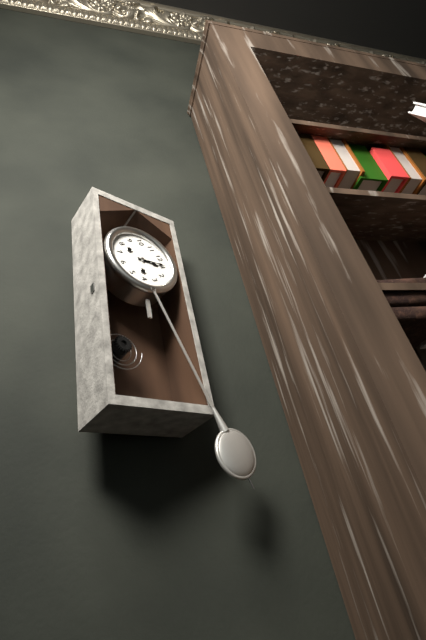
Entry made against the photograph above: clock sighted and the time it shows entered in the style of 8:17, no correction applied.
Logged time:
1:04
